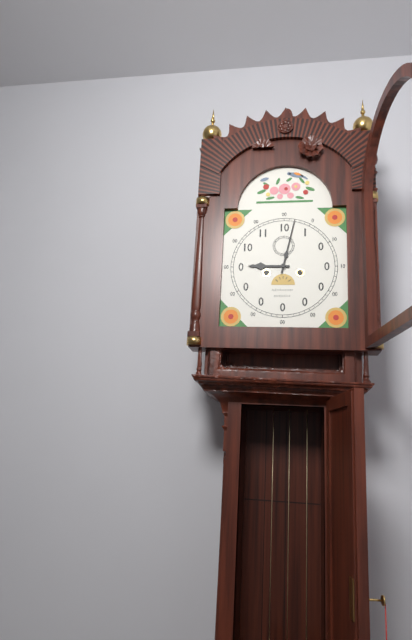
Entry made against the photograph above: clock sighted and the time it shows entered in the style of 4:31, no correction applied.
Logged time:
9:02
